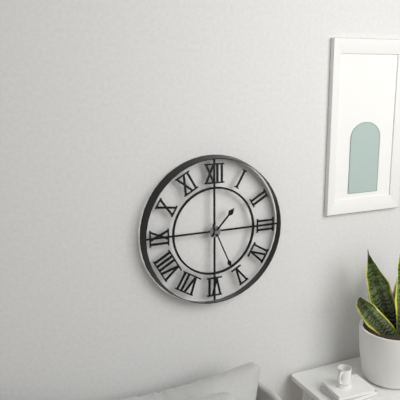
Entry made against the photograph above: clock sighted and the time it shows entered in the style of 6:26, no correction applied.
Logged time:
1:26
